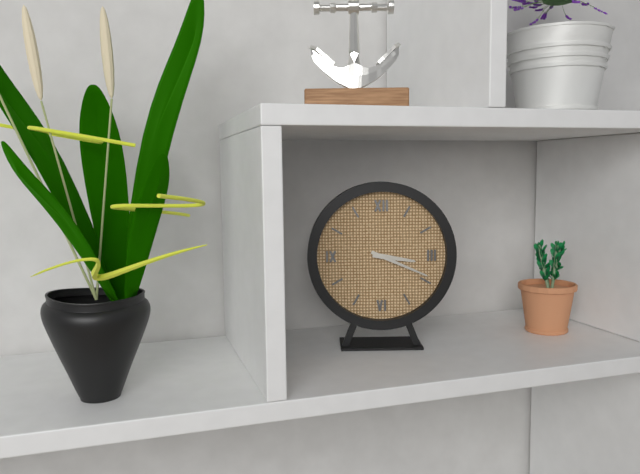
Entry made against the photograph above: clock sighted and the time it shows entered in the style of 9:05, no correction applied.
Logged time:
3:19
